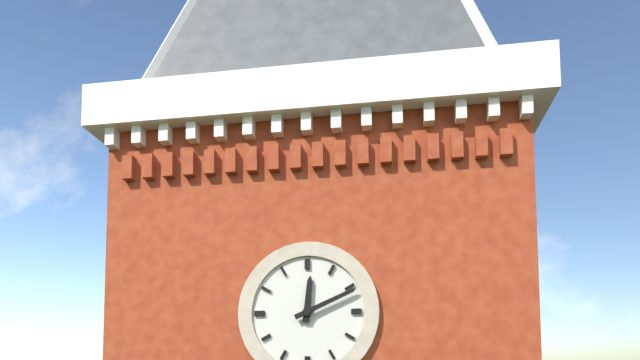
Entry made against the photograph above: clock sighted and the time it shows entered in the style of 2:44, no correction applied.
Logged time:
12:11
